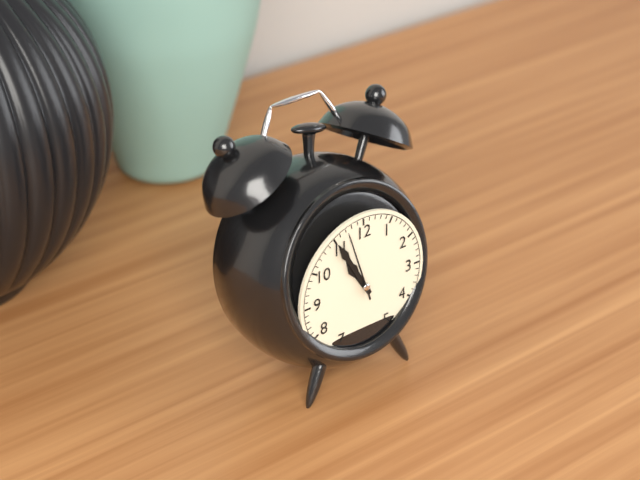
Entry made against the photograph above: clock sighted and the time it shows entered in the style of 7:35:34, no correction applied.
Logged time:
10:55:57
